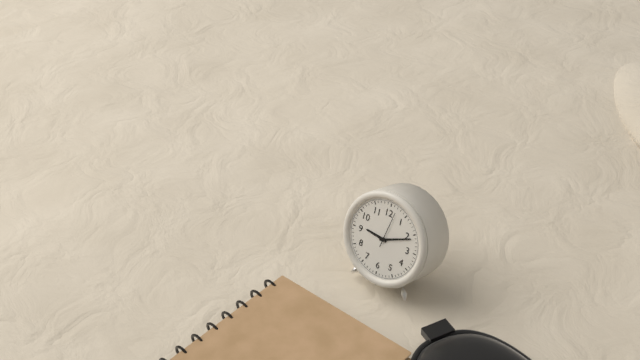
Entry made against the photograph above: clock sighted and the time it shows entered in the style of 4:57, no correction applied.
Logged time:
9:11
